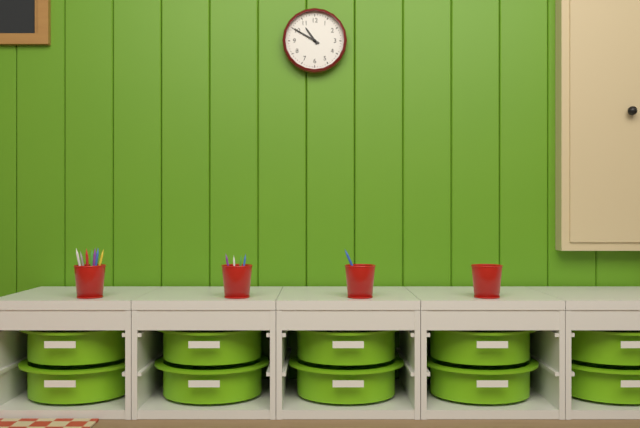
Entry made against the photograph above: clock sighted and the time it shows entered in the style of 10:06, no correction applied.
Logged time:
10:50
